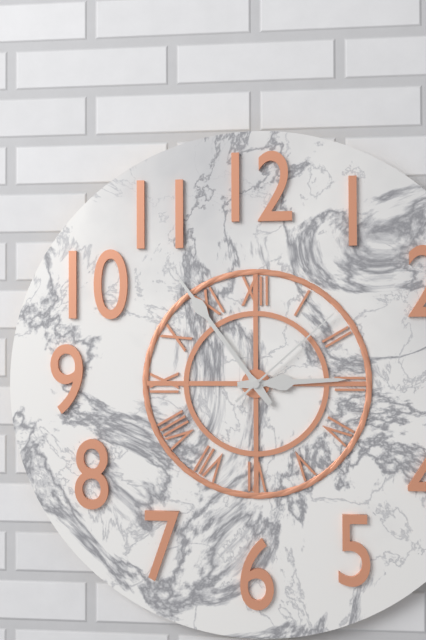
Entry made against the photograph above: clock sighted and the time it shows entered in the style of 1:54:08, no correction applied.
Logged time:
2:54:08
